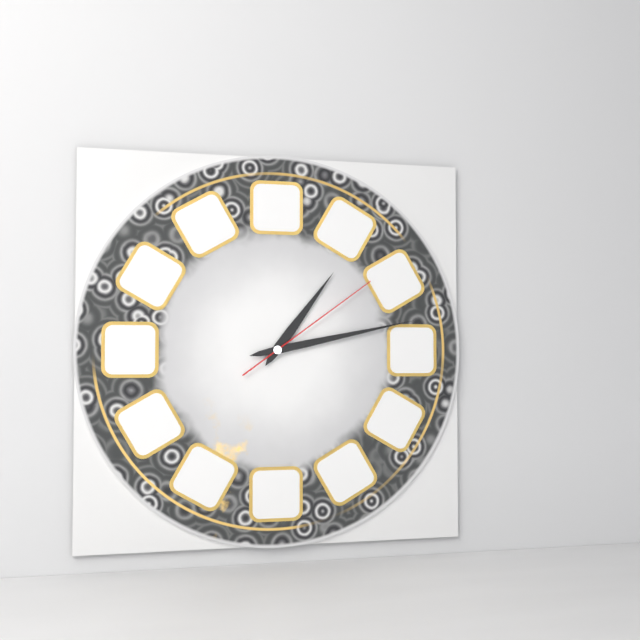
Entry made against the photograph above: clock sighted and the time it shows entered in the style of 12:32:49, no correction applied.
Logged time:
1:13:09
